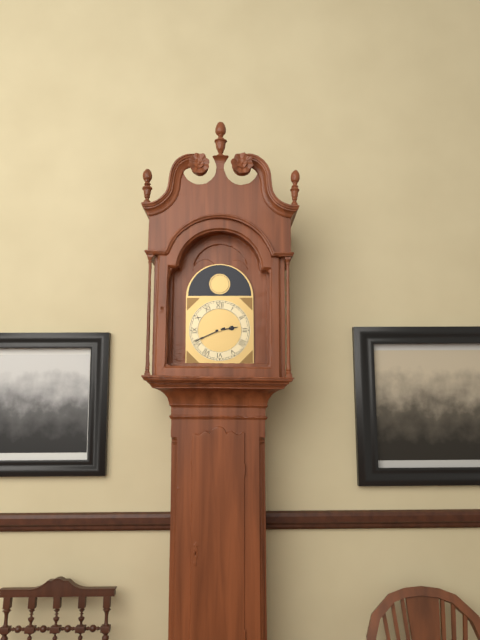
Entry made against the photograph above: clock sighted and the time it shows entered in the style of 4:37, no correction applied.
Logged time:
2:41
